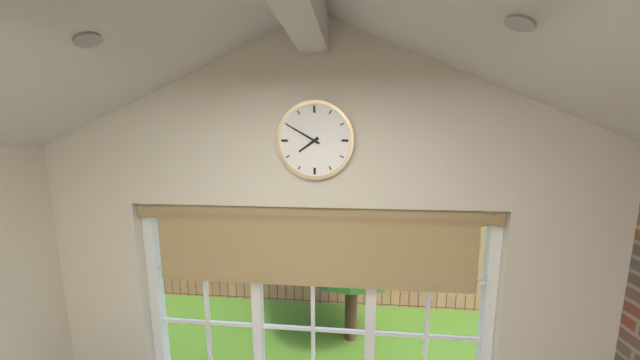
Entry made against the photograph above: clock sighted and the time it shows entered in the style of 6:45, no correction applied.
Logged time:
7:50
